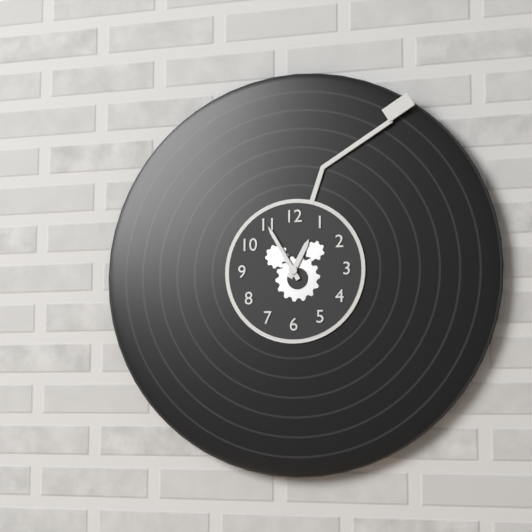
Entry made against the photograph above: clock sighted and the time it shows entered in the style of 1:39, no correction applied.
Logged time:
12:55
